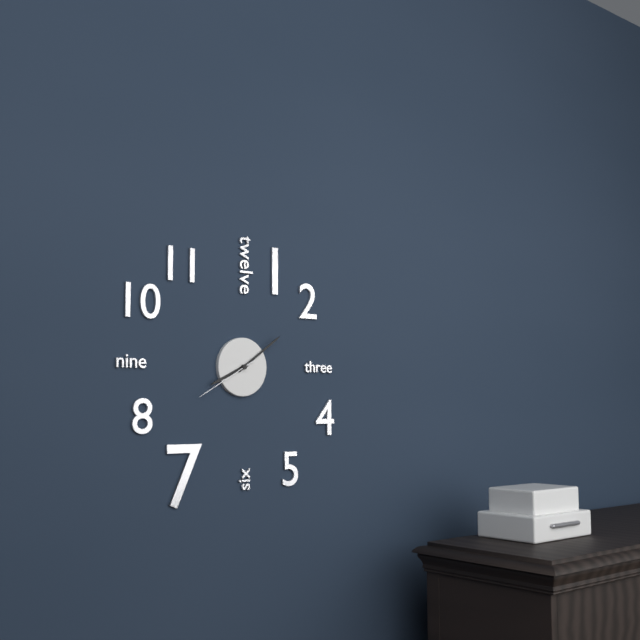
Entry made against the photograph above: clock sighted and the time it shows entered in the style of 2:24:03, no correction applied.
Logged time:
8:09:40
